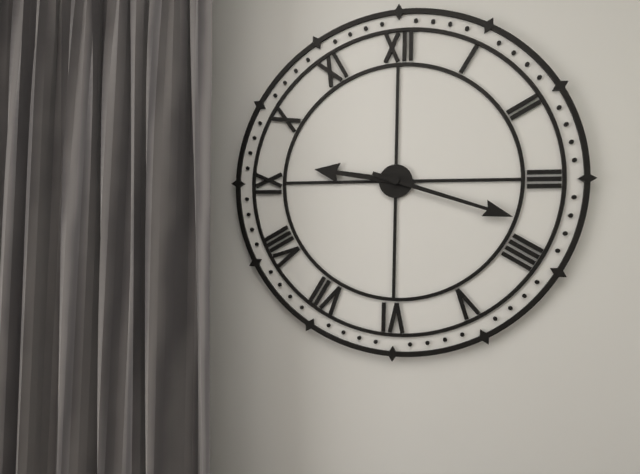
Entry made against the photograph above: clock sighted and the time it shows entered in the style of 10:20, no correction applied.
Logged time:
9:18
